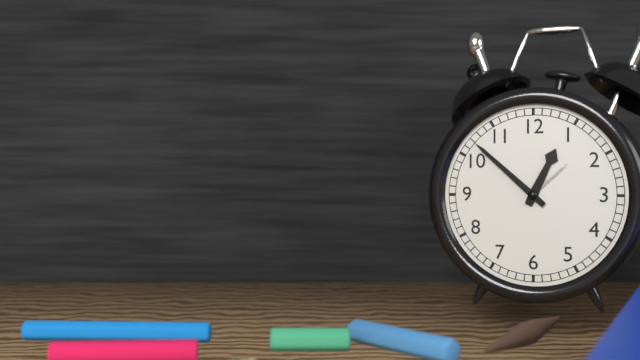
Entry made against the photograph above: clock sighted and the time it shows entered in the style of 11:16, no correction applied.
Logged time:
12:52
